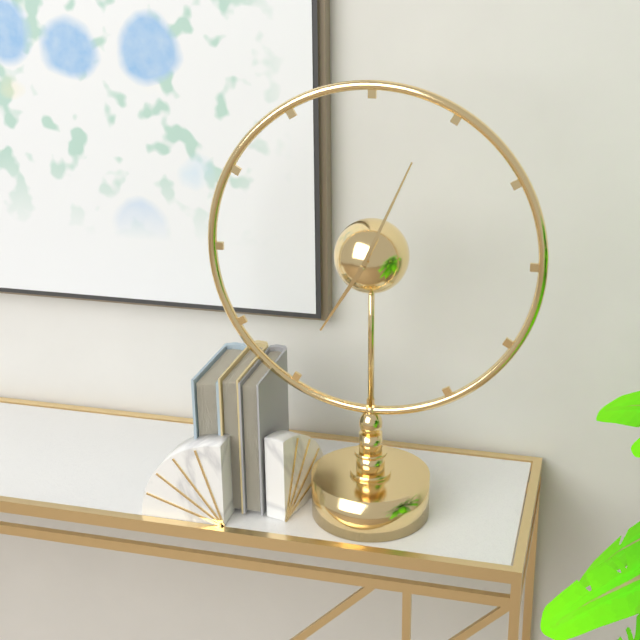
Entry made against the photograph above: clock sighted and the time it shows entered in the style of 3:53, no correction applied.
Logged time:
7:04
